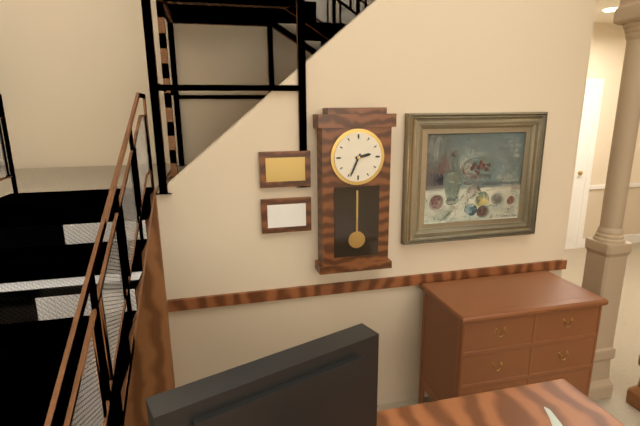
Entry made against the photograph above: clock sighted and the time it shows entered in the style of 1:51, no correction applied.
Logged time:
2:34
